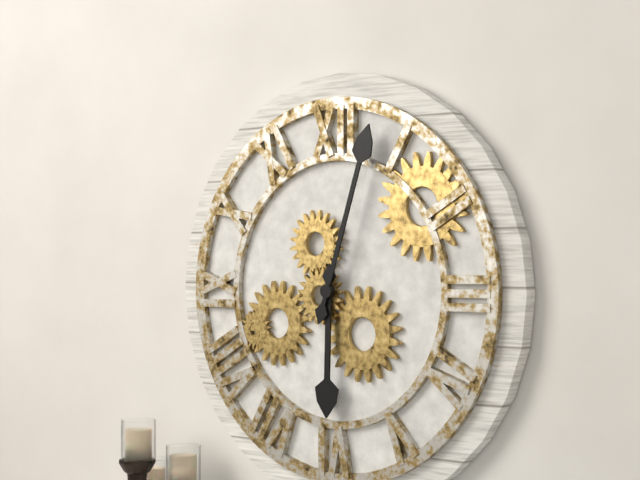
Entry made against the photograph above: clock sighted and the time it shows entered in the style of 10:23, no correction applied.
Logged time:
6:03
